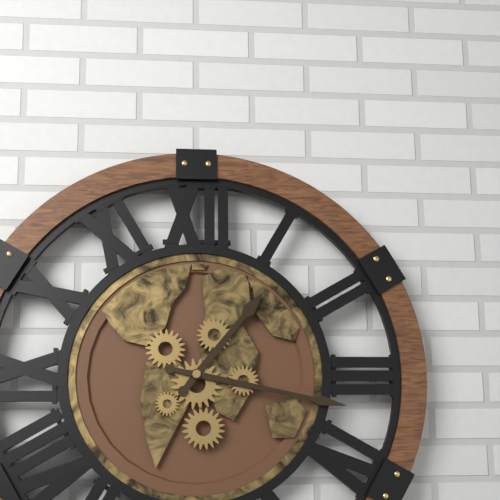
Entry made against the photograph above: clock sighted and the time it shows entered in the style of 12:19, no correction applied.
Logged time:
1:17
